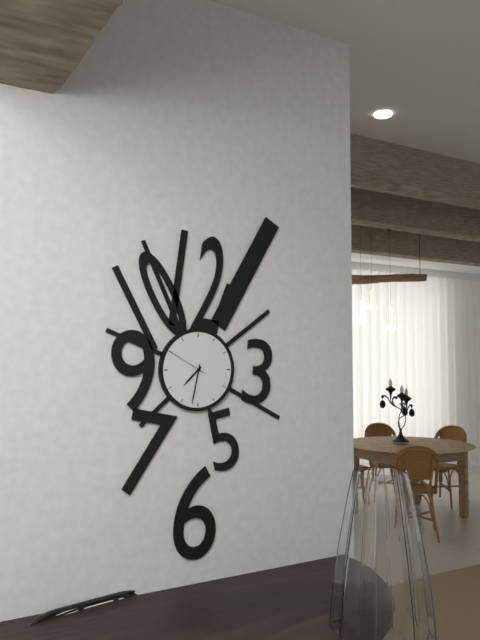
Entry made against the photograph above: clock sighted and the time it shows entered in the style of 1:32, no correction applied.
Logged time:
7:32
